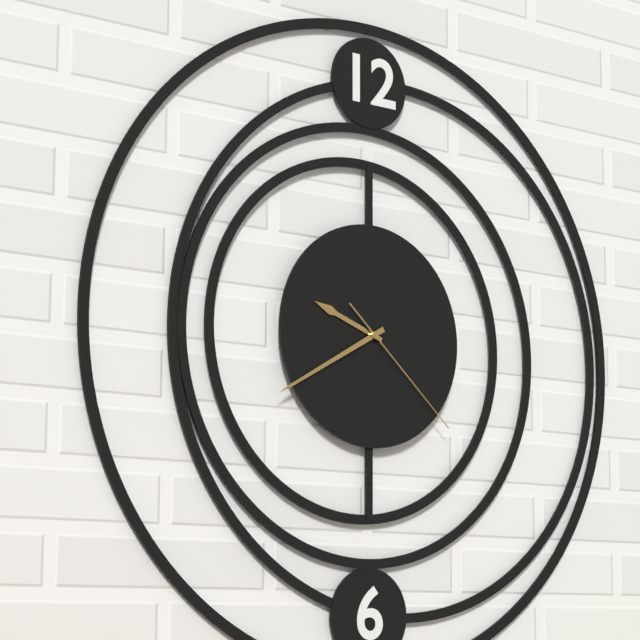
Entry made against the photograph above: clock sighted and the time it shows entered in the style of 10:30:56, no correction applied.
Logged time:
9:40:22
